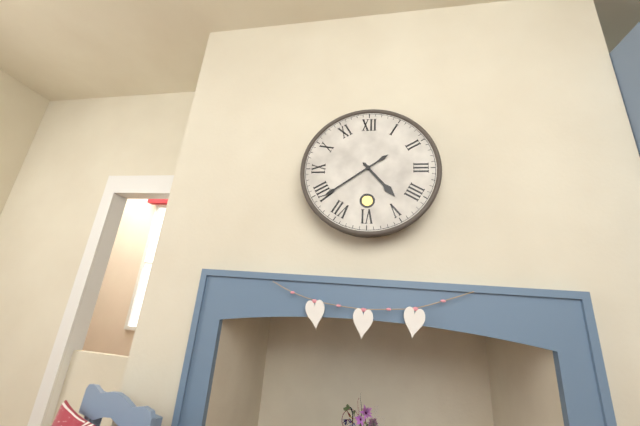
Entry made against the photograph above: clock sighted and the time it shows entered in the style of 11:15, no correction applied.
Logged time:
4:39
